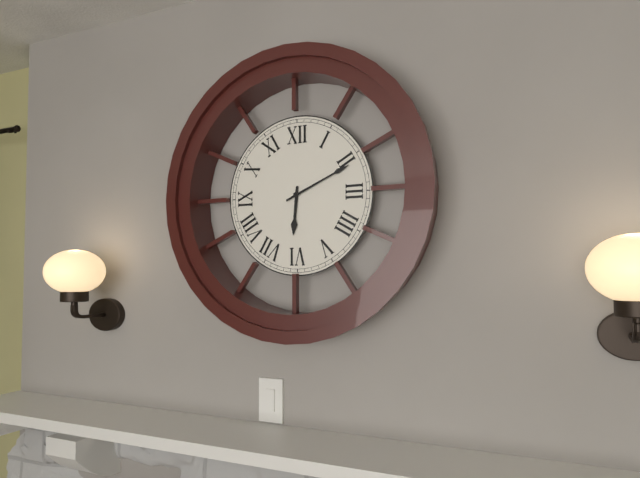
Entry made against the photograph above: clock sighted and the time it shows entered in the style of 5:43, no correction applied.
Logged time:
6:11
